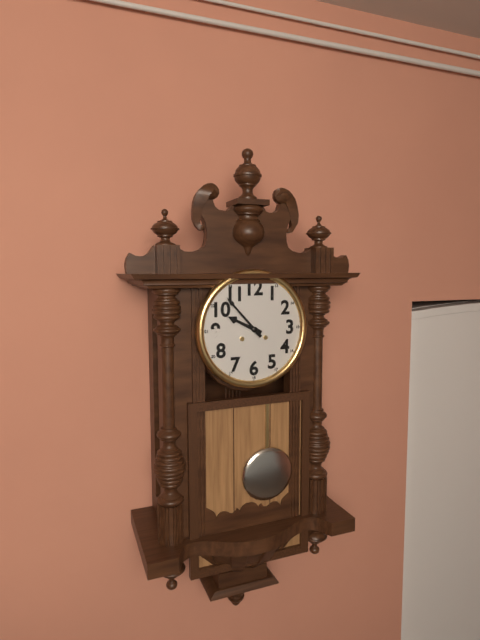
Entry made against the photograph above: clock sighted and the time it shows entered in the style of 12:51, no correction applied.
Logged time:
9:53
